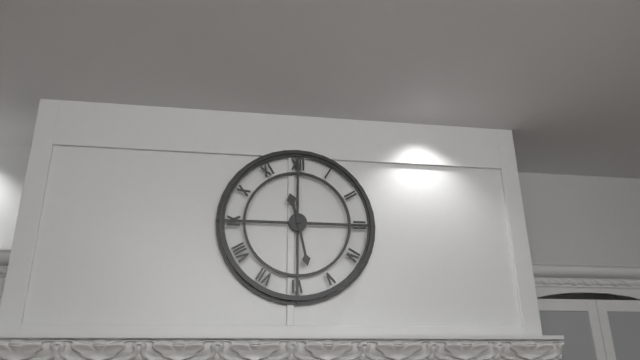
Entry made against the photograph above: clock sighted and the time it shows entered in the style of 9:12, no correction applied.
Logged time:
11:28
